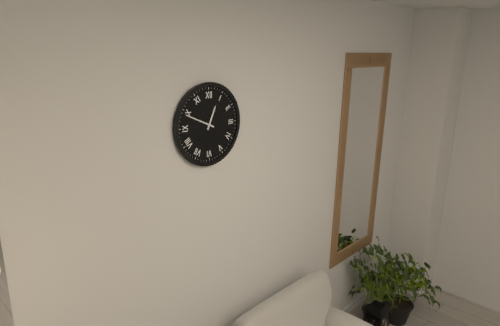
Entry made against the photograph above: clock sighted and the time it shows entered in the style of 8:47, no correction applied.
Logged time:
12:49
